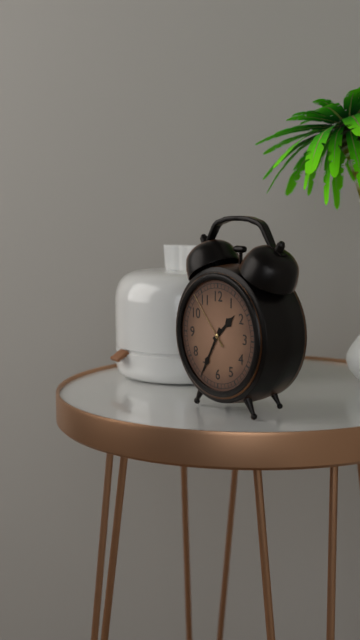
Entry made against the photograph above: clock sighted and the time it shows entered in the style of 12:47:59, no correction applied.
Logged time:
1:35:53
